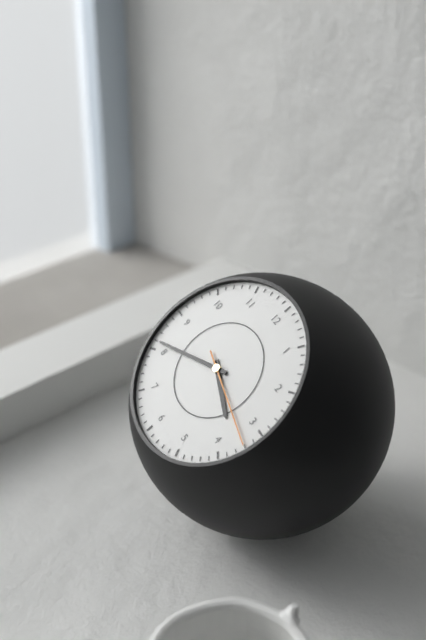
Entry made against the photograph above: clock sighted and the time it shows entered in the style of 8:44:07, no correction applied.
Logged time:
3:41:17
